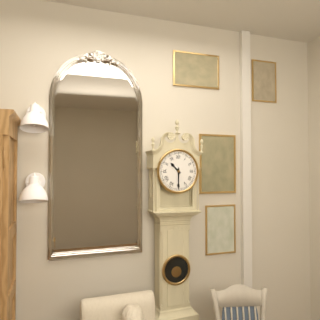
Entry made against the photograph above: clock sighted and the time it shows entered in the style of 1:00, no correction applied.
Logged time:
10:30
